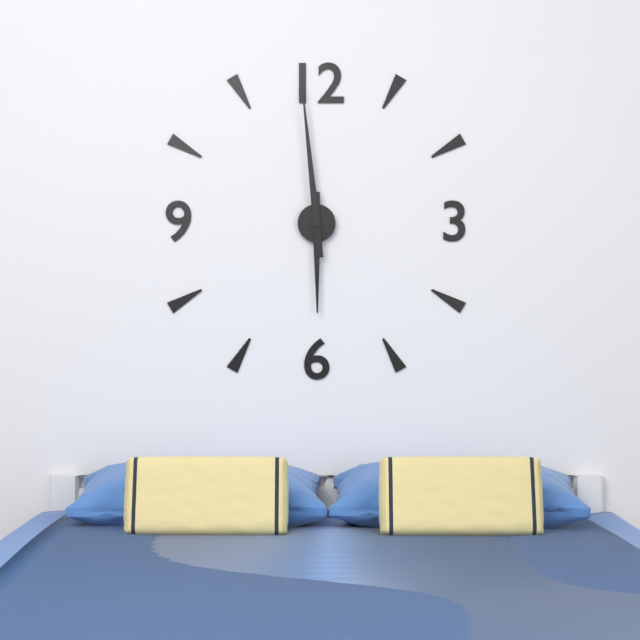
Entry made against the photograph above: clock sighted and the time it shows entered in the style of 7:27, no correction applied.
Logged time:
5:59
